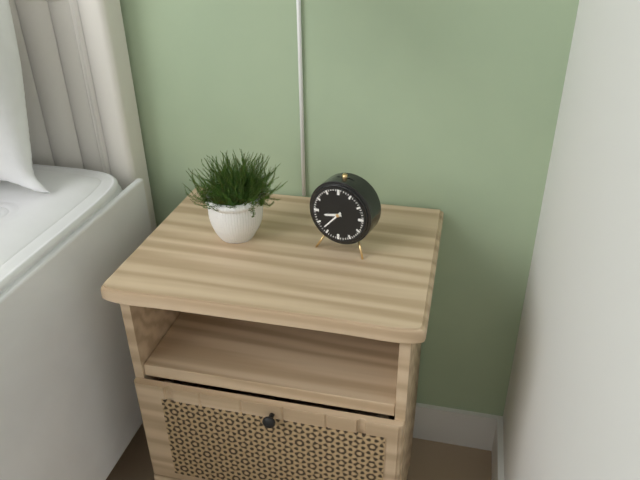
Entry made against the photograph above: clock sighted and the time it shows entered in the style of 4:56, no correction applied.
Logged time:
8:37
